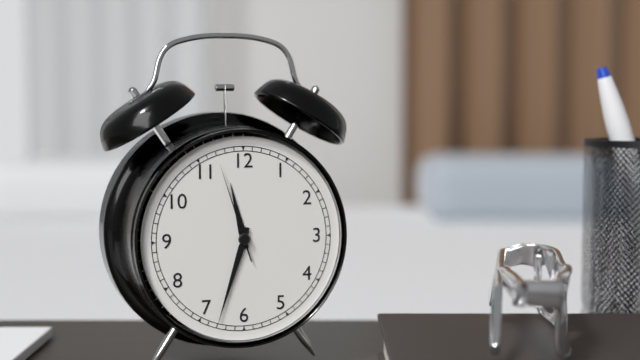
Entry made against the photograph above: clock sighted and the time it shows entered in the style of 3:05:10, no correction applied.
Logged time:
11:33:57
